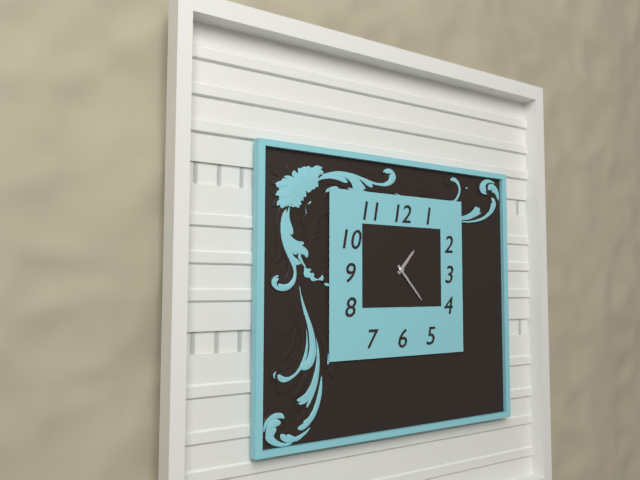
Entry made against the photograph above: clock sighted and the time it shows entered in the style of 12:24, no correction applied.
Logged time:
1:23
